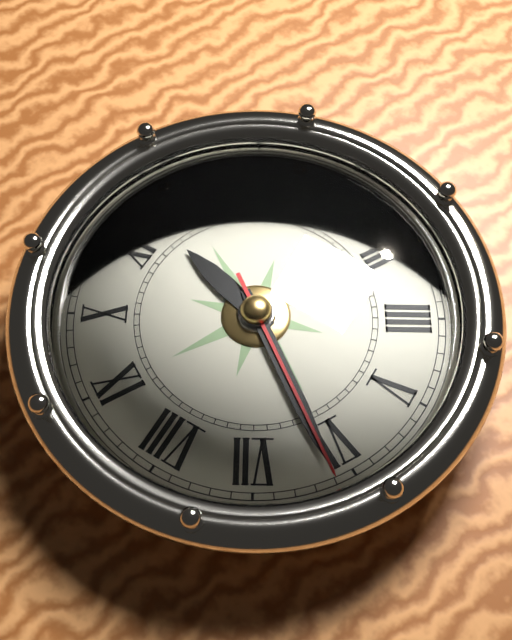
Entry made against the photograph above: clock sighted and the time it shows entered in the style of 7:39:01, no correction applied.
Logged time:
11:31:31
